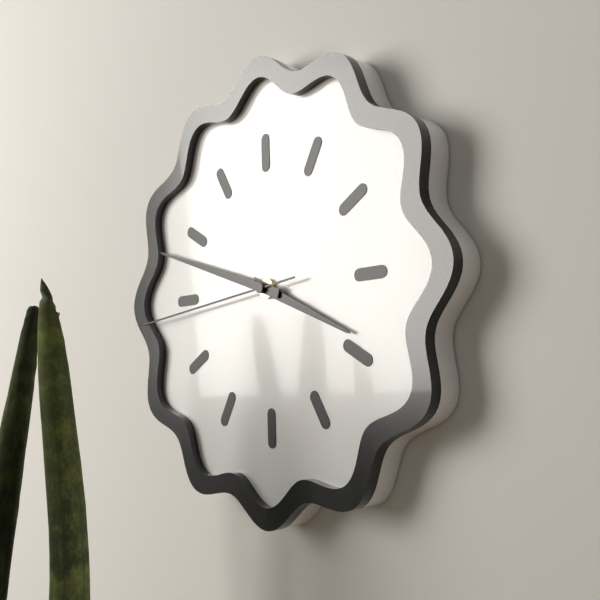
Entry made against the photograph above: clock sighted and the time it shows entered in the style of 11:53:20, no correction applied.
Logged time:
3:48:44
